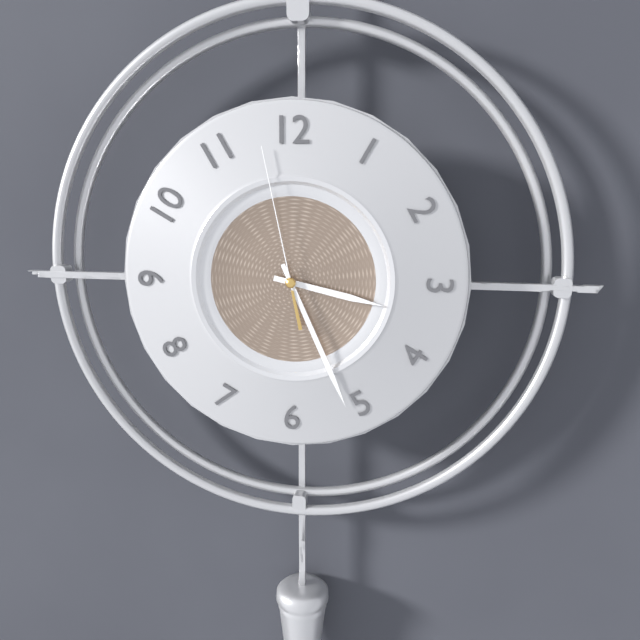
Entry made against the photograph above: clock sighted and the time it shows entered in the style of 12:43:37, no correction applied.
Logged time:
3:26:58
